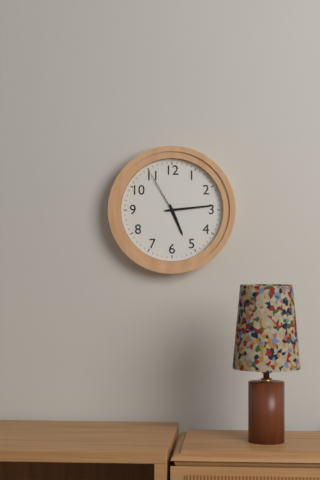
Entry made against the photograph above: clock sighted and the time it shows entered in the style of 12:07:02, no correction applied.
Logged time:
5:14:55
